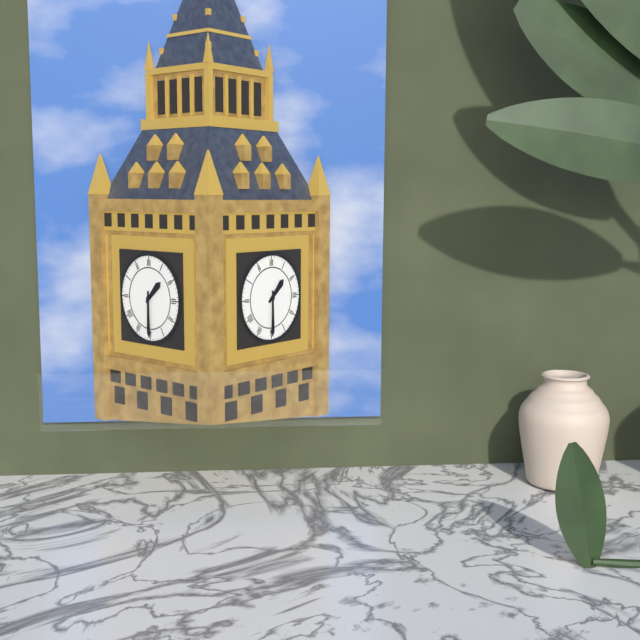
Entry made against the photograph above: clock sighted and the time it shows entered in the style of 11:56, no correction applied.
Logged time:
1:30
